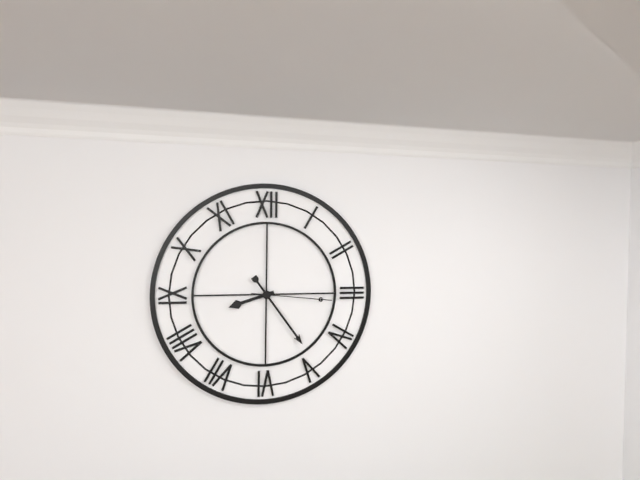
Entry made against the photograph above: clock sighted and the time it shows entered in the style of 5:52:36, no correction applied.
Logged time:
8:24:16
